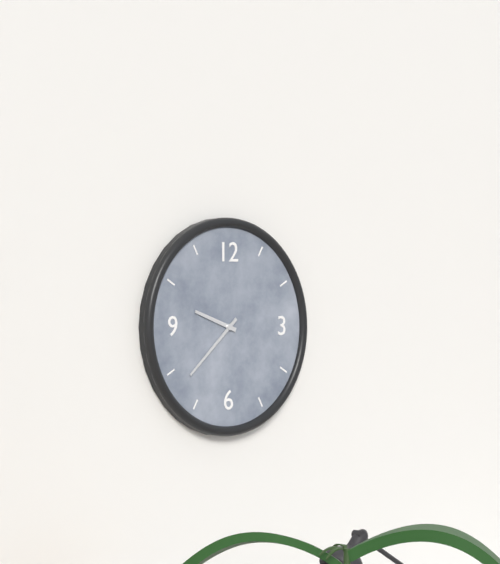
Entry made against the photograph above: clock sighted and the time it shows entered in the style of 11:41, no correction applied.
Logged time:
9:38
